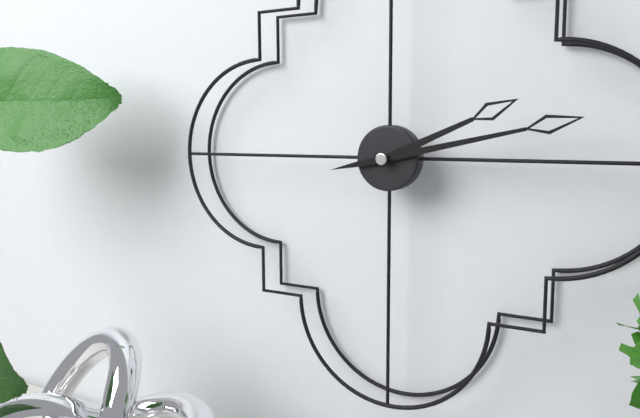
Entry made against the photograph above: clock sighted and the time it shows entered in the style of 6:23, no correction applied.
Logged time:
2:13
